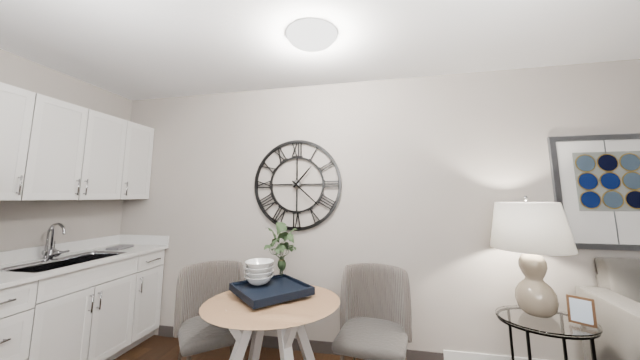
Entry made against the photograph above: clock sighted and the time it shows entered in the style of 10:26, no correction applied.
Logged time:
1:22
